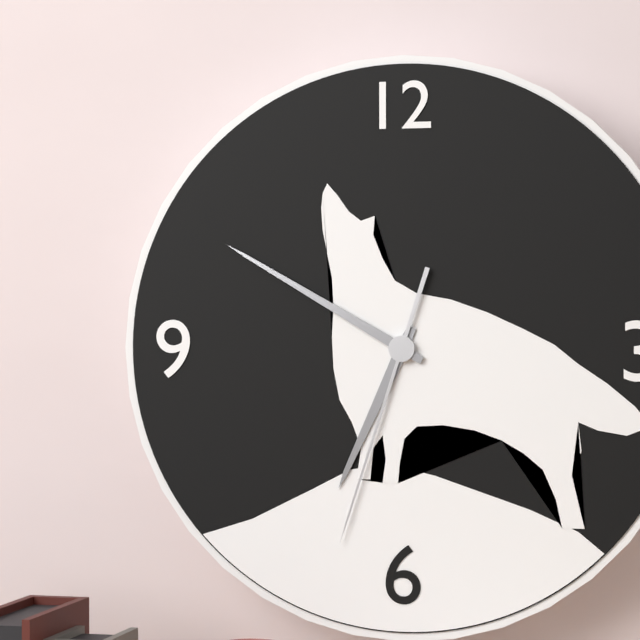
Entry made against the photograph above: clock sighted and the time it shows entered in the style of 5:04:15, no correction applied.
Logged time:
6:50:33
